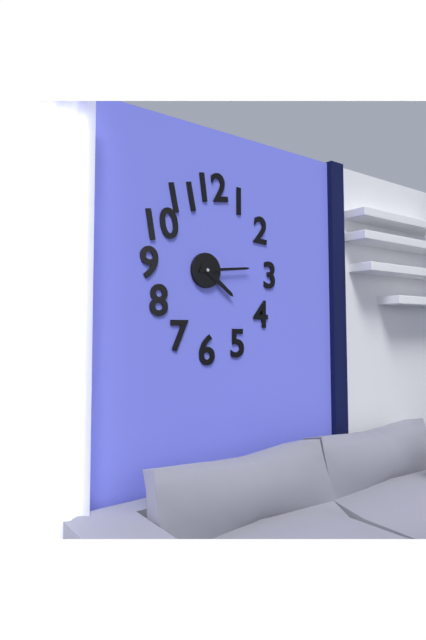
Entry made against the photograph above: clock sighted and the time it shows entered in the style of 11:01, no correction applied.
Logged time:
4:14
